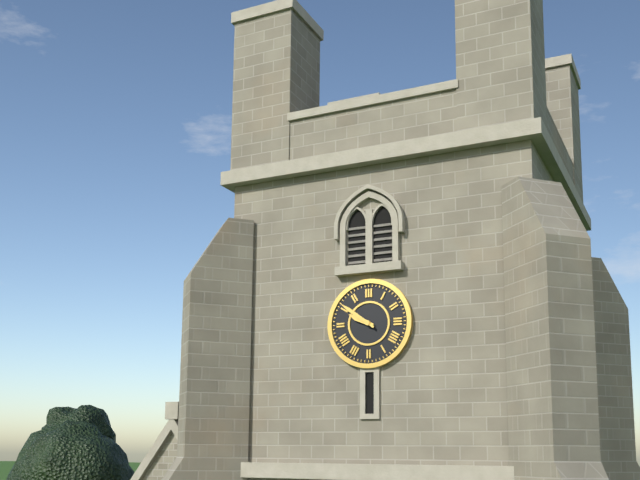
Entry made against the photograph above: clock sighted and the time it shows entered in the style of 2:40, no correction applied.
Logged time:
9:51
